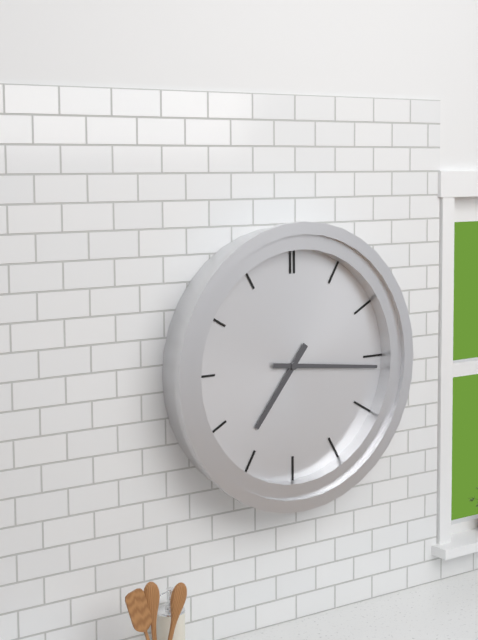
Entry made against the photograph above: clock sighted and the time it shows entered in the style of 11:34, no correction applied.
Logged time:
7:16
